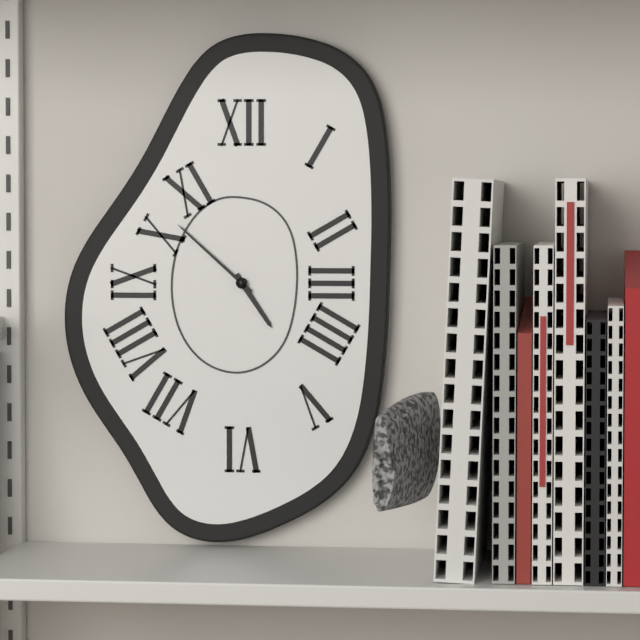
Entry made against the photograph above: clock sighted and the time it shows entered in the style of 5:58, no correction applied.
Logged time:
4:52
